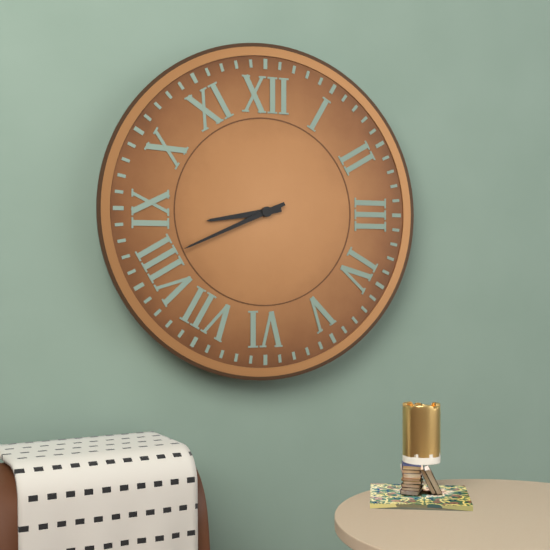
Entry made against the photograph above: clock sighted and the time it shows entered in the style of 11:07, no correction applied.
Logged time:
8:41
